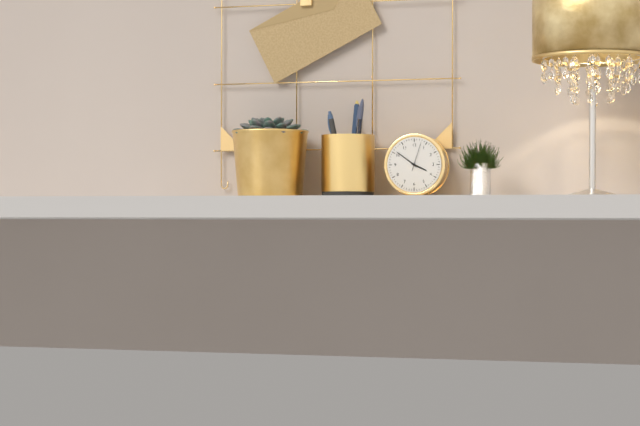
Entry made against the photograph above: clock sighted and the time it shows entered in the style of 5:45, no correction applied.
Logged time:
3:51
